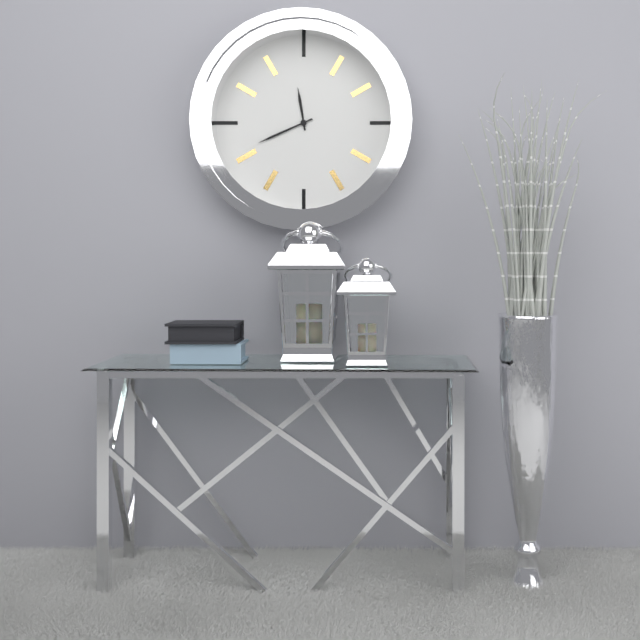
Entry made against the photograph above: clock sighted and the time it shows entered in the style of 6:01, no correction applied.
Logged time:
11:41
